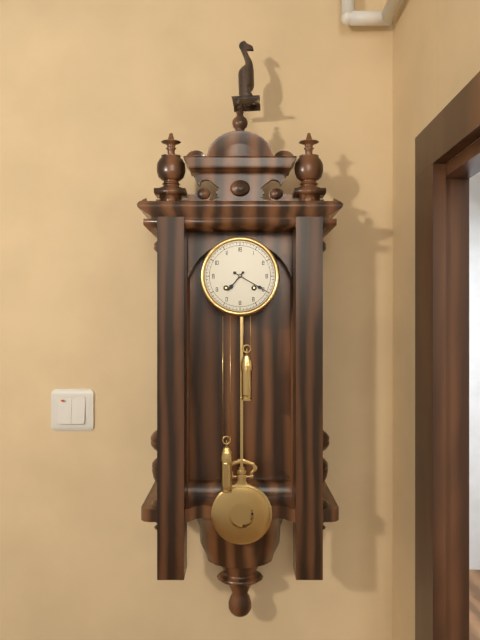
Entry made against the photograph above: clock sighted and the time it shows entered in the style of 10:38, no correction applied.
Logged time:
7:20
